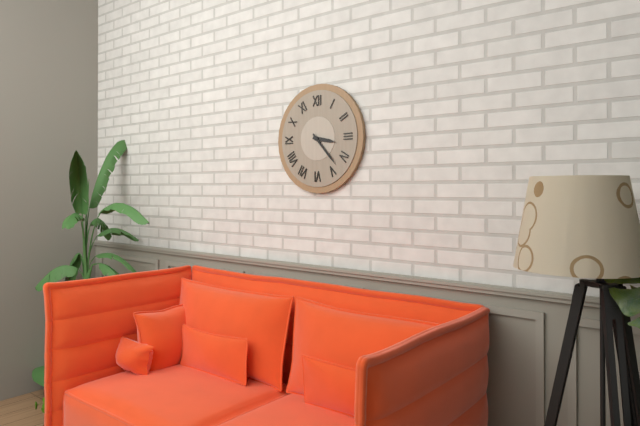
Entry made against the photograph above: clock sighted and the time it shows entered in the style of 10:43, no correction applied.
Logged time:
3:23
